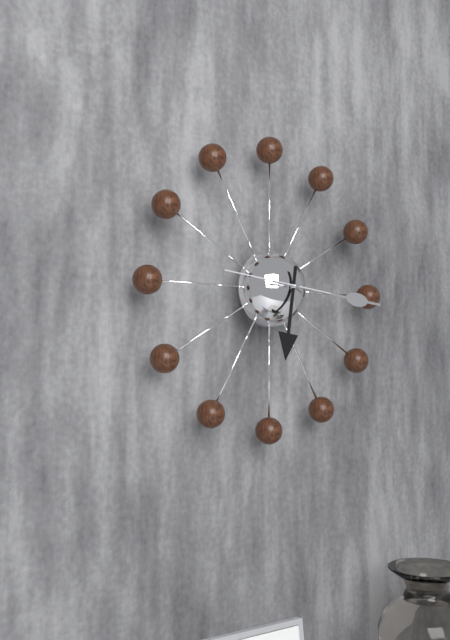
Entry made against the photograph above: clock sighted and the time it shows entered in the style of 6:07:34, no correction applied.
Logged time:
6:16:46
